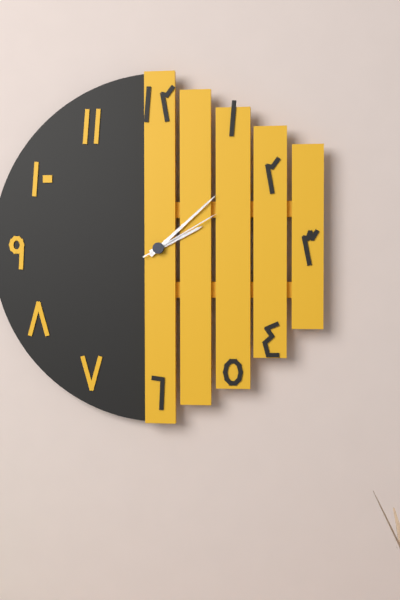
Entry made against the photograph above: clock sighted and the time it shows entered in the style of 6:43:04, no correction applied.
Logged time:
2:08:10
